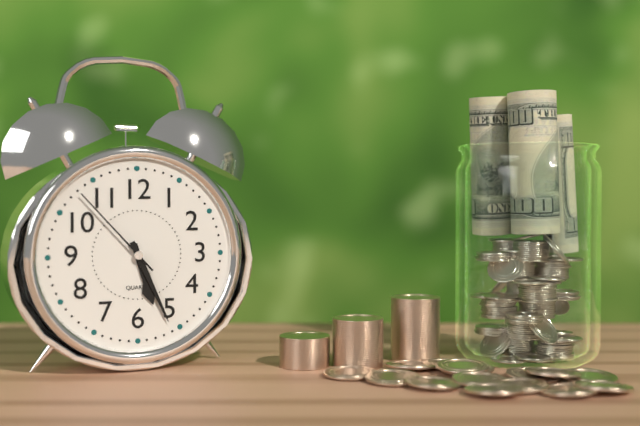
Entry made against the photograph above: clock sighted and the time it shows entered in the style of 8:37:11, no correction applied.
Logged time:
5:26:53
